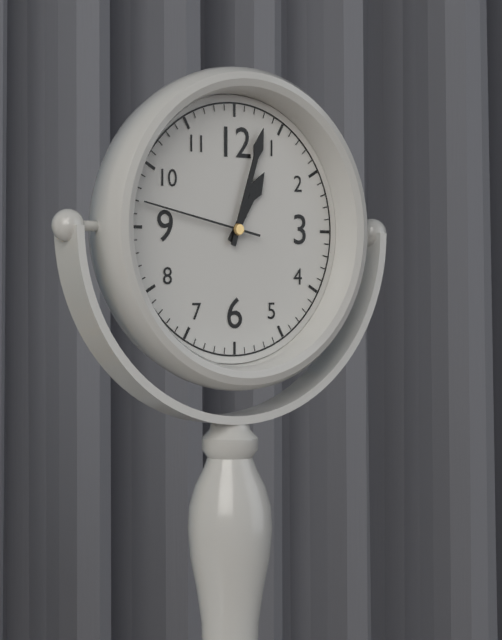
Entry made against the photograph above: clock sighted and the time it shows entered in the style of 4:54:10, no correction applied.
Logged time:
1:03:47
